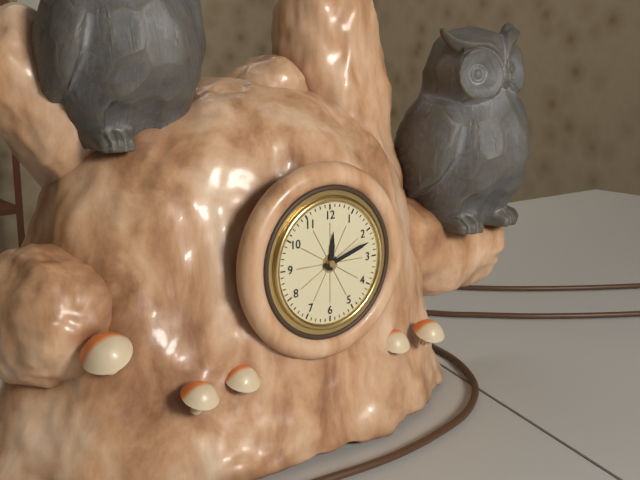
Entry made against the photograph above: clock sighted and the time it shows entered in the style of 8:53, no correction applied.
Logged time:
12:12
